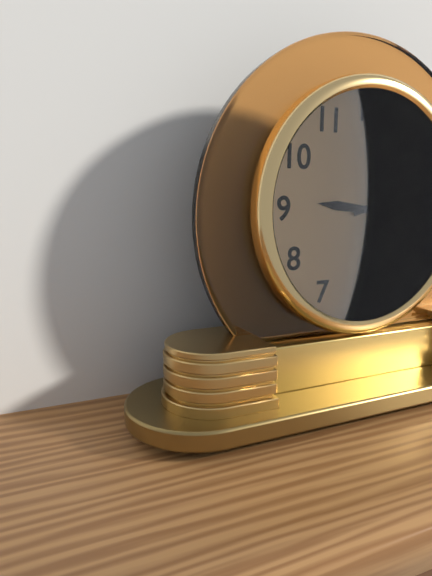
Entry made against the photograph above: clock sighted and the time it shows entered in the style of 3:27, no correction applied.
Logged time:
9:12
